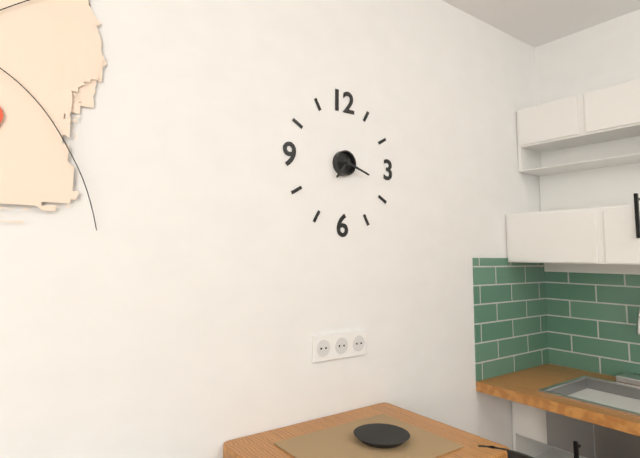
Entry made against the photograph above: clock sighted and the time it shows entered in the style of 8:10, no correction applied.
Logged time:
7:18
